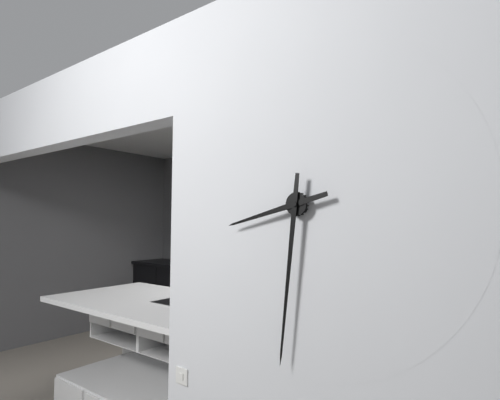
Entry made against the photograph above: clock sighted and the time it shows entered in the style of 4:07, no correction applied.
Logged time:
8:31
